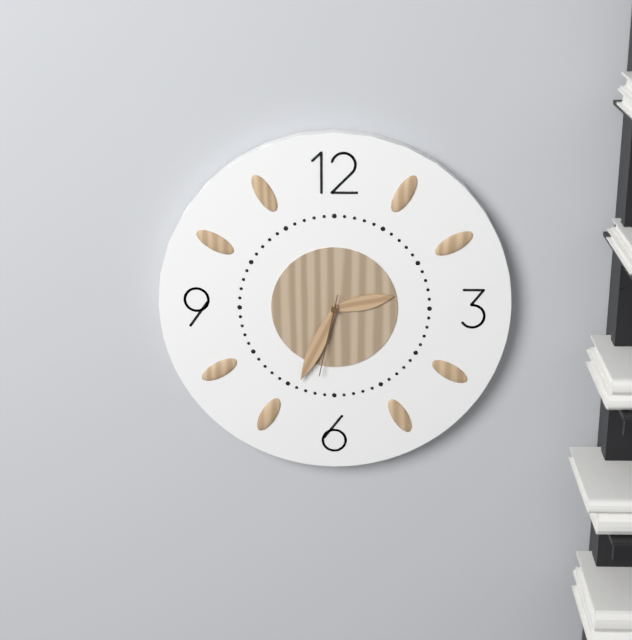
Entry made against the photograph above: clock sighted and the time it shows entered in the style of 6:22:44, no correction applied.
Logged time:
2:34:32
